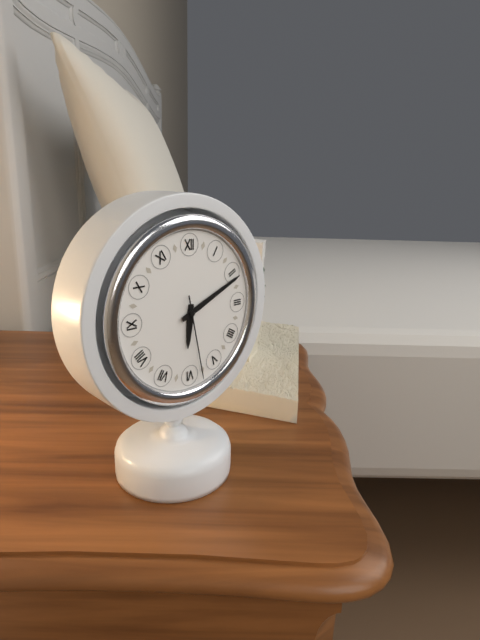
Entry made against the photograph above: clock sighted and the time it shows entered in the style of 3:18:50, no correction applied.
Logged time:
6:11:28
